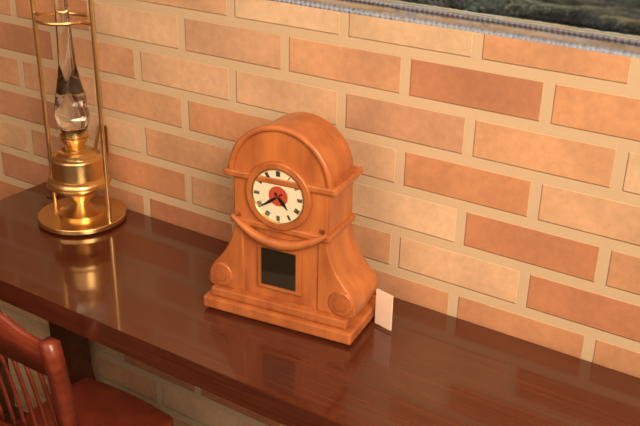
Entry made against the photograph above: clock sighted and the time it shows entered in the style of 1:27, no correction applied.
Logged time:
4:39
